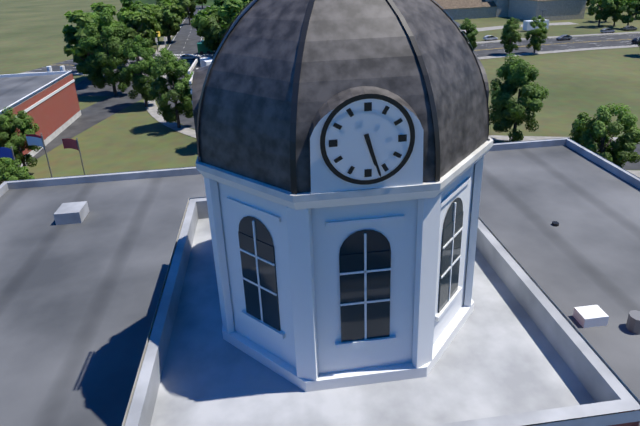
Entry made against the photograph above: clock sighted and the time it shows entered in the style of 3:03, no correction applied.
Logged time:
5:27
